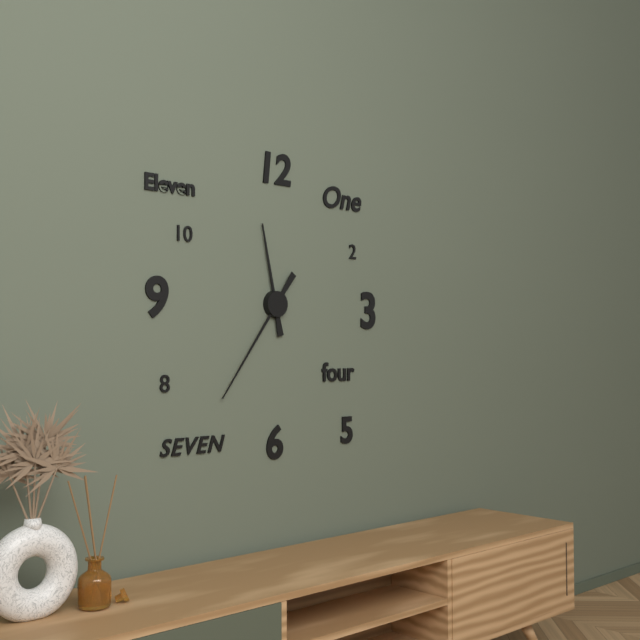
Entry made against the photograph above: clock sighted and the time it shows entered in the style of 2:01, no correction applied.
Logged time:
11:36
